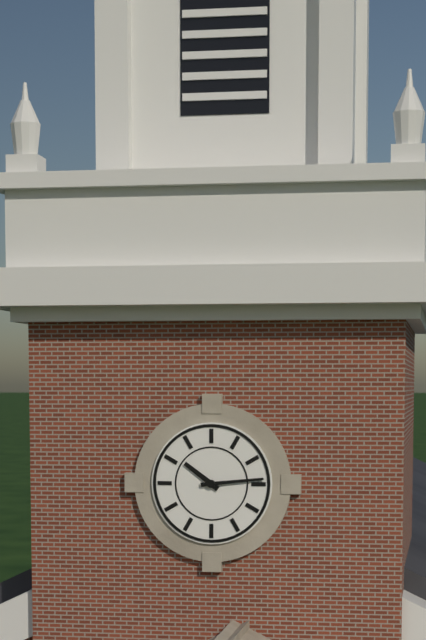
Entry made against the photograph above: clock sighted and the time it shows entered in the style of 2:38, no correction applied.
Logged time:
10:14
